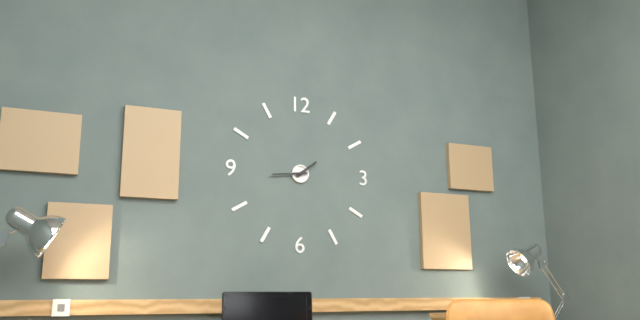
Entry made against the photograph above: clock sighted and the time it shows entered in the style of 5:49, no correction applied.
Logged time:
1:44
